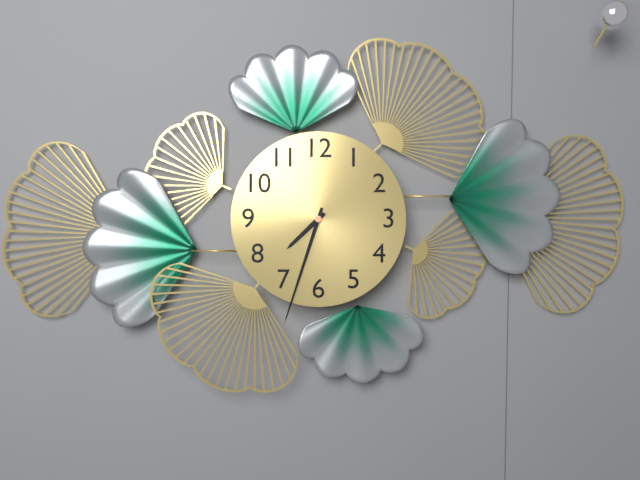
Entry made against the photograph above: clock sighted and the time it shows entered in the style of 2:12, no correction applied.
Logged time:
7:33
